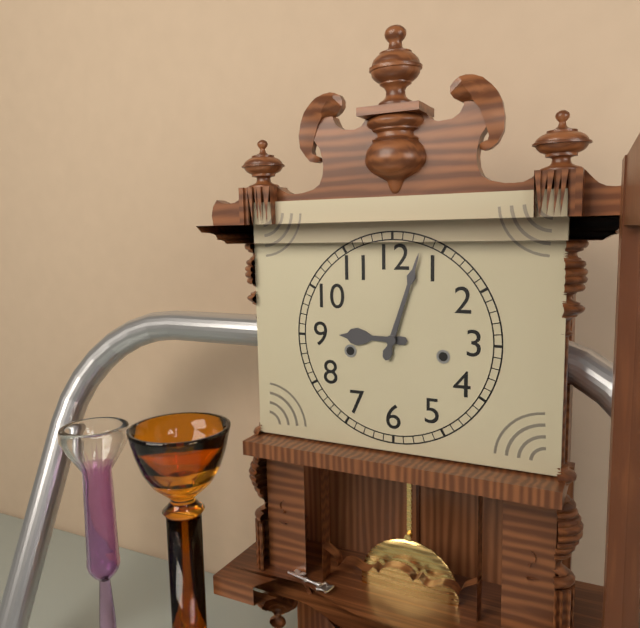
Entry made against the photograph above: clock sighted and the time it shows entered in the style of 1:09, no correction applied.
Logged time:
9:03
